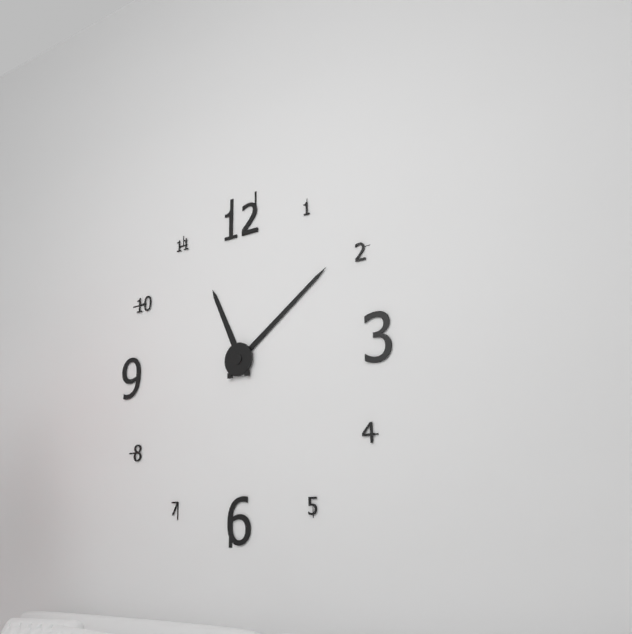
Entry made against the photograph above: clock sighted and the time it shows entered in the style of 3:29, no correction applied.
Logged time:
11:09
